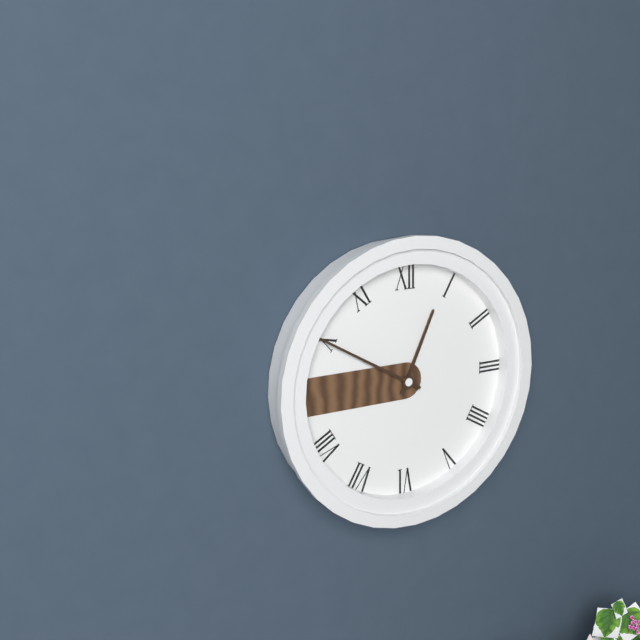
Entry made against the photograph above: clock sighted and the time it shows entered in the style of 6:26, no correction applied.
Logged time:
12:50
